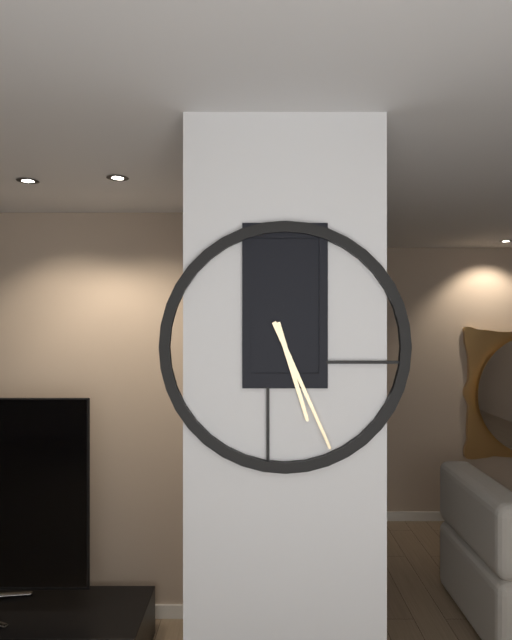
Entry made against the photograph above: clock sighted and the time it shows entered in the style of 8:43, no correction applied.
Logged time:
5:26
